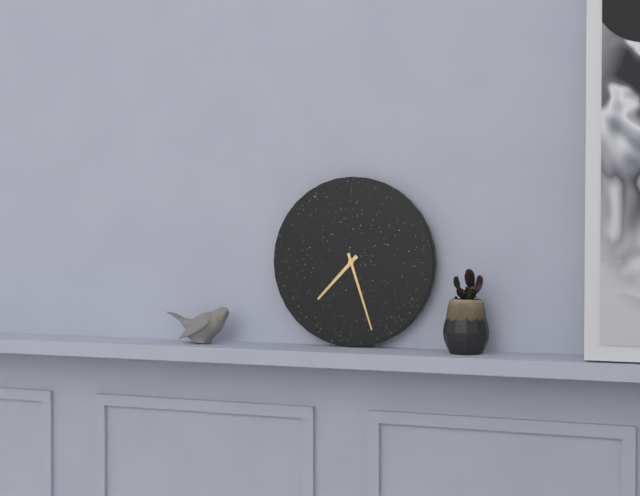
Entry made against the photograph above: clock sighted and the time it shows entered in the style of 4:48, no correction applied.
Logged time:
7:27
